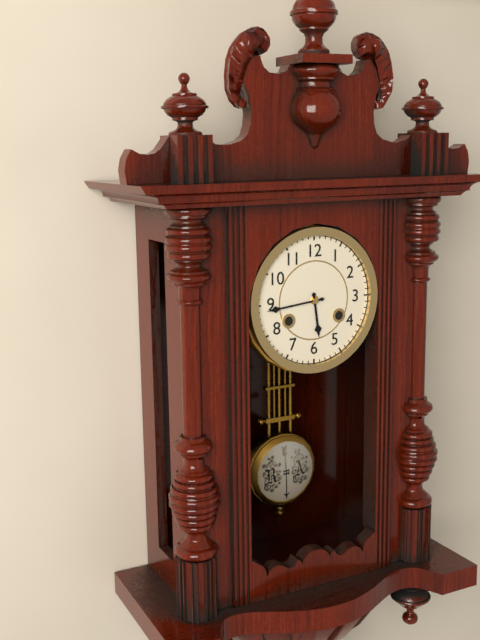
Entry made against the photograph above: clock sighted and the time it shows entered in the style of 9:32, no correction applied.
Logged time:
5:44
